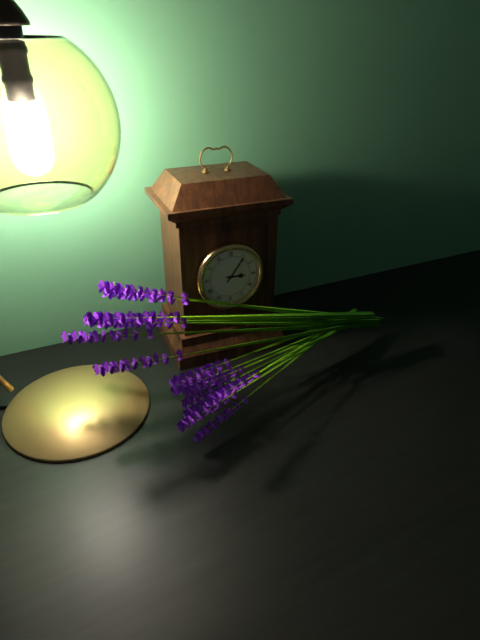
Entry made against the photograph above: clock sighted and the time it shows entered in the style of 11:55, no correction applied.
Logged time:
3:06
